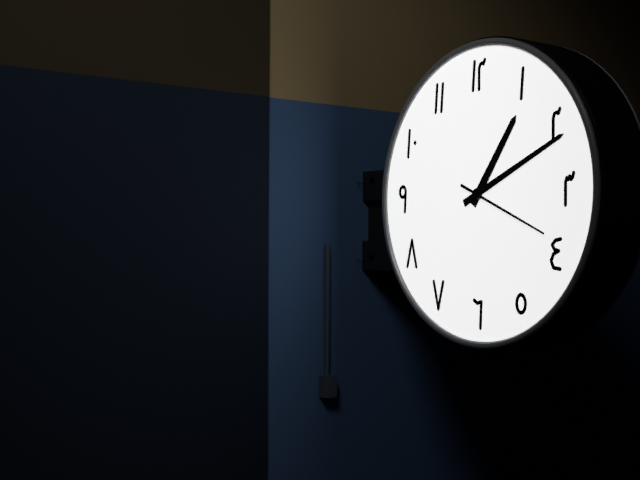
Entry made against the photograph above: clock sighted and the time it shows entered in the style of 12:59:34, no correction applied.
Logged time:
1:11:19
